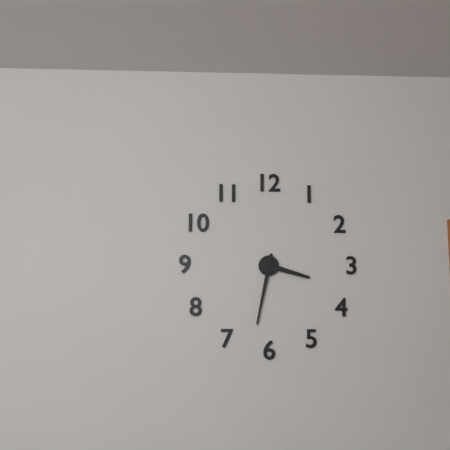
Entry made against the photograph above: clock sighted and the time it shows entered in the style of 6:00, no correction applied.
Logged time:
3:32
